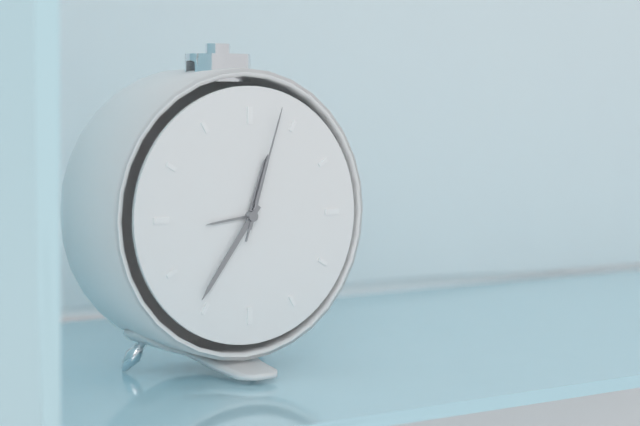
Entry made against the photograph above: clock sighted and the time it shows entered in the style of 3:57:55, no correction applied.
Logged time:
12:36:03
